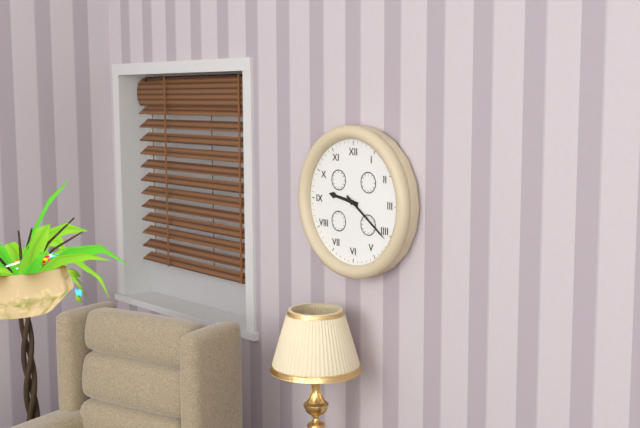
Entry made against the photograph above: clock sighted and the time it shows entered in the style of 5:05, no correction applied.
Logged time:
9:21
